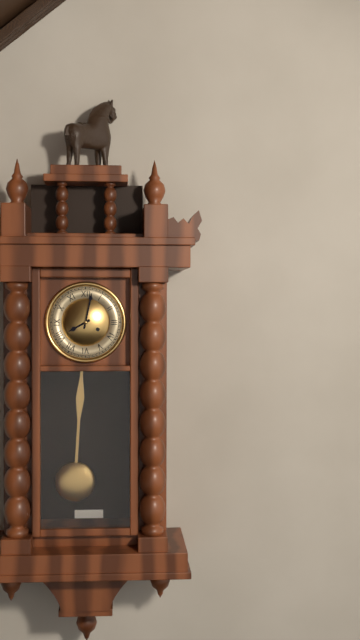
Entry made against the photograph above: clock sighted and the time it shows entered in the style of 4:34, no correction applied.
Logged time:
8:02
